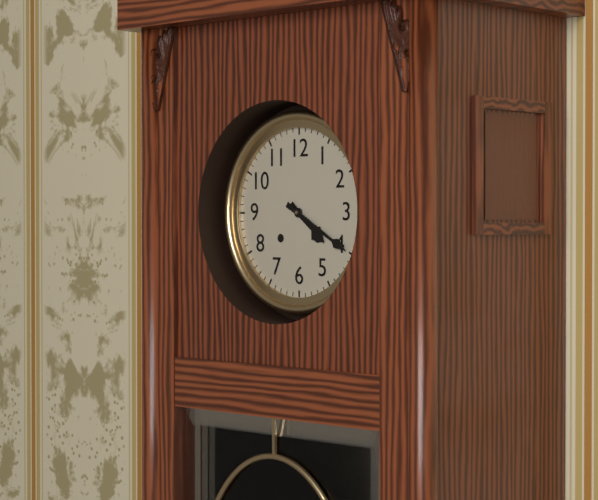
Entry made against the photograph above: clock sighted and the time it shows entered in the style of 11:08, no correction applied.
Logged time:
4:20
